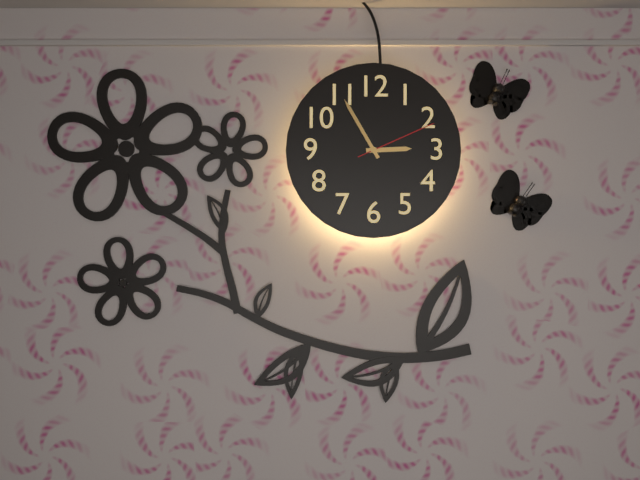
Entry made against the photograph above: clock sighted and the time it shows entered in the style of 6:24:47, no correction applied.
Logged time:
2:55:11
